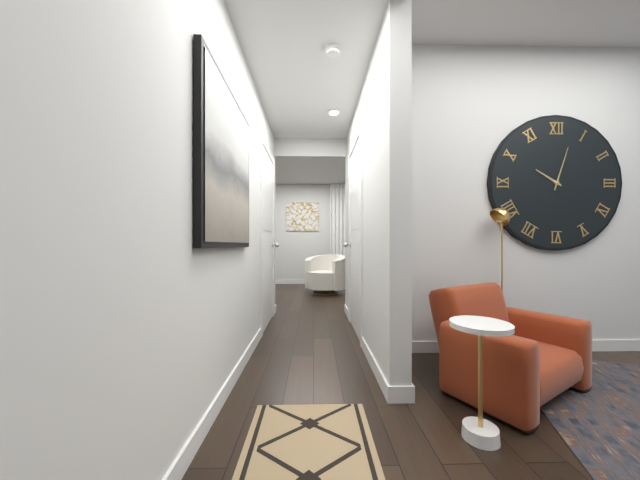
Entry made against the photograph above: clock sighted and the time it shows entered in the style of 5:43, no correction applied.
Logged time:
10:03
